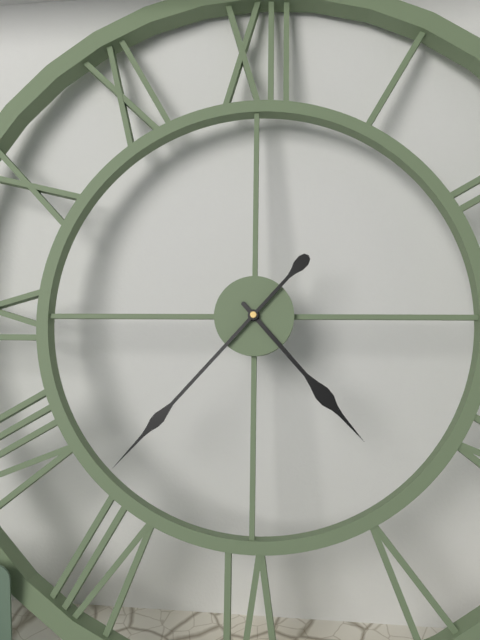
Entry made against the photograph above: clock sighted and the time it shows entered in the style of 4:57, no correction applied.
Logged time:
4:37
